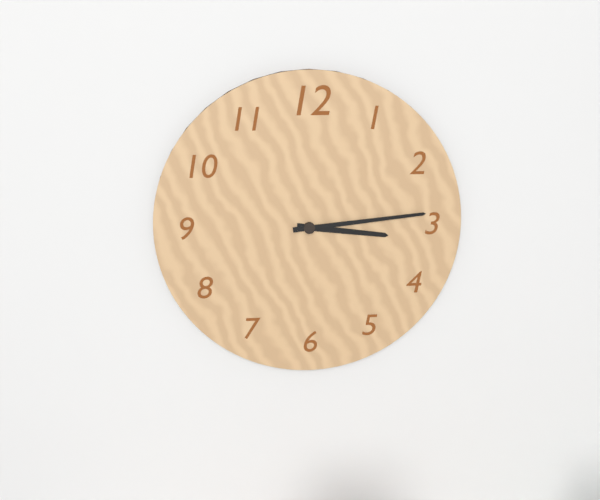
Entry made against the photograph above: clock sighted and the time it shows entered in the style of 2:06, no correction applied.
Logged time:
3:14
